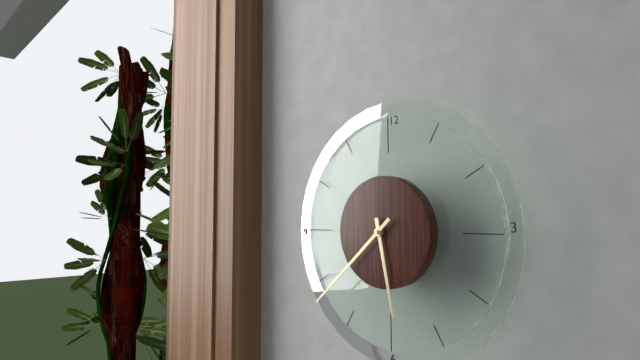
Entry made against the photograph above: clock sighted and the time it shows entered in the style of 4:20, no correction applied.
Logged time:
5:38
